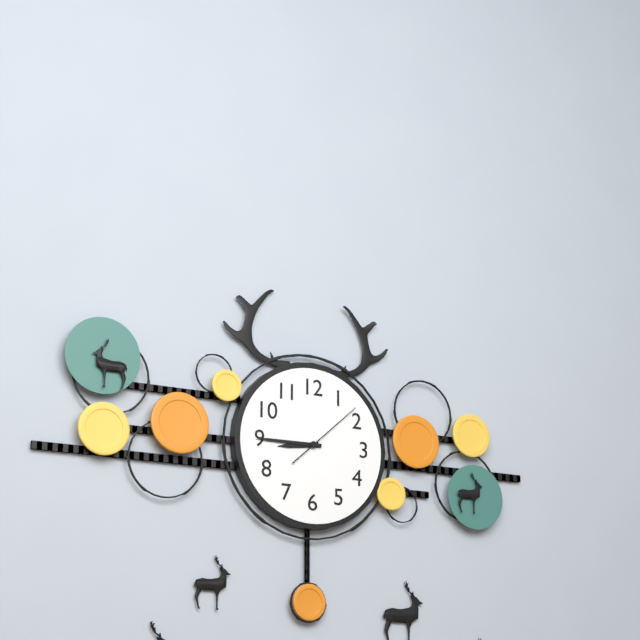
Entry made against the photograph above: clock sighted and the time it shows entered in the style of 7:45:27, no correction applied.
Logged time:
8:45:08
